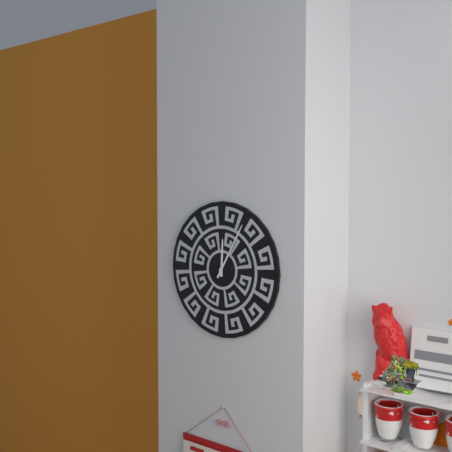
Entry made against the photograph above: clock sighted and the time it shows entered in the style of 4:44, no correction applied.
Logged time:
12:05
